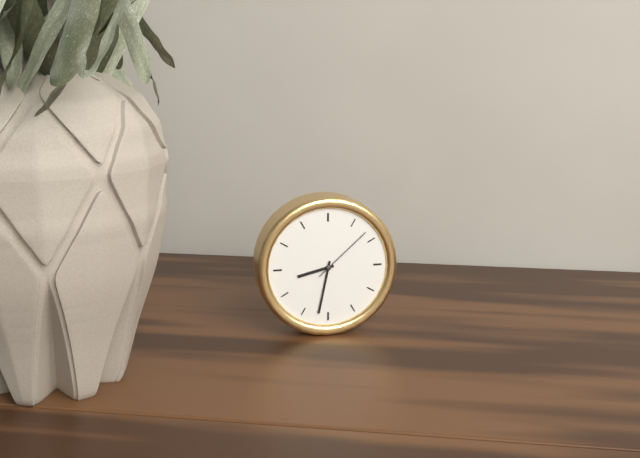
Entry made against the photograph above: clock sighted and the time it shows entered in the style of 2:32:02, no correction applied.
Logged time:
8:32:08
